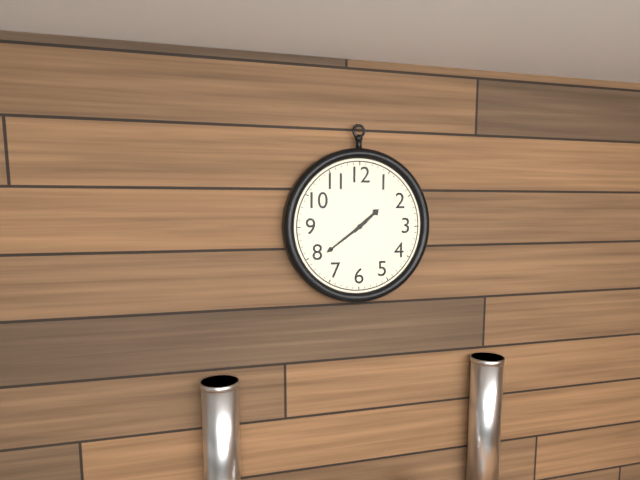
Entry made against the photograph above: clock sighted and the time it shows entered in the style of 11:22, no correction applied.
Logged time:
1:39
